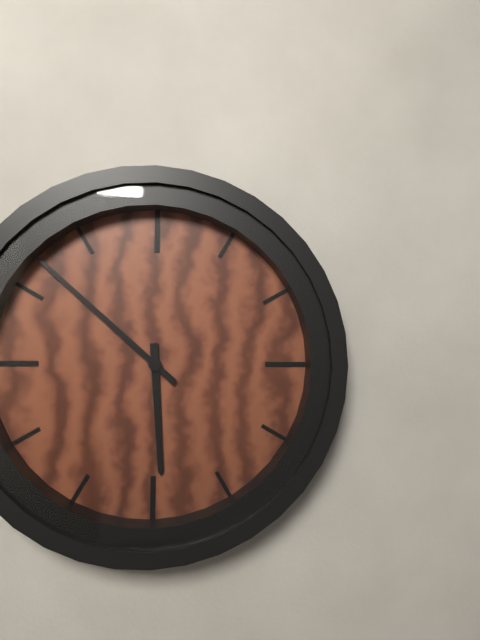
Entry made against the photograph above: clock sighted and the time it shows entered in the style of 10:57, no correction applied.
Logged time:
5:52
